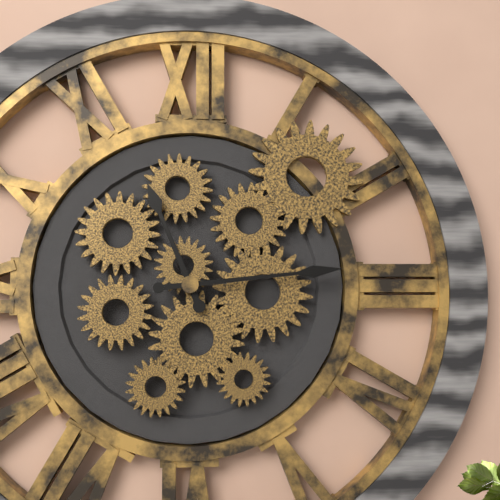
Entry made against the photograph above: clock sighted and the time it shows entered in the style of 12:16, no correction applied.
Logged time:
11:14
